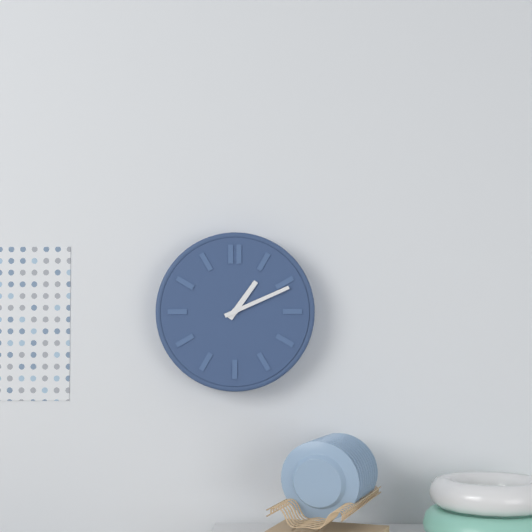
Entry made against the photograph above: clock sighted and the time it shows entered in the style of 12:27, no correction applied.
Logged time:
1:11
